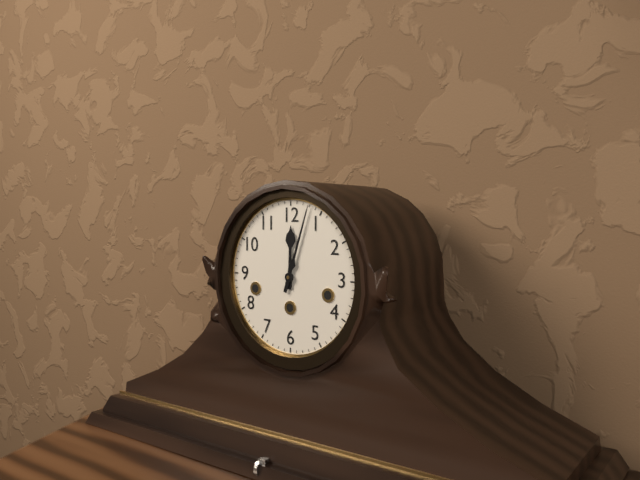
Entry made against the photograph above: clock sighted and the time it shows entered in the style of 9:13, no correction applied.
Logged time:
12:03
